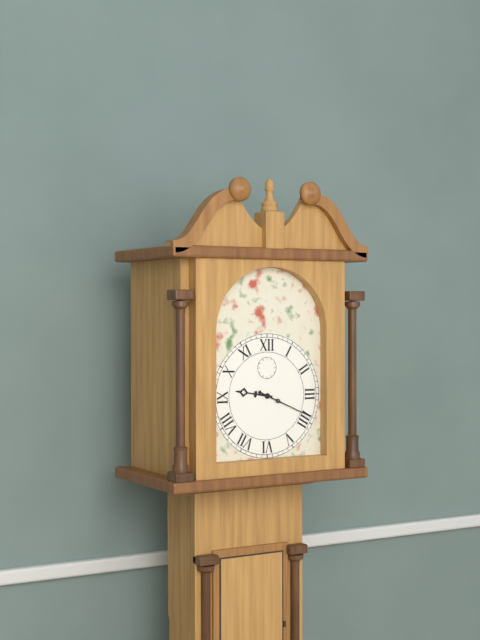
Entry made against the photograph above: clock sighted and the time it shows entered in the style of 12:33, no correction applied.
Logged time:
9:19
